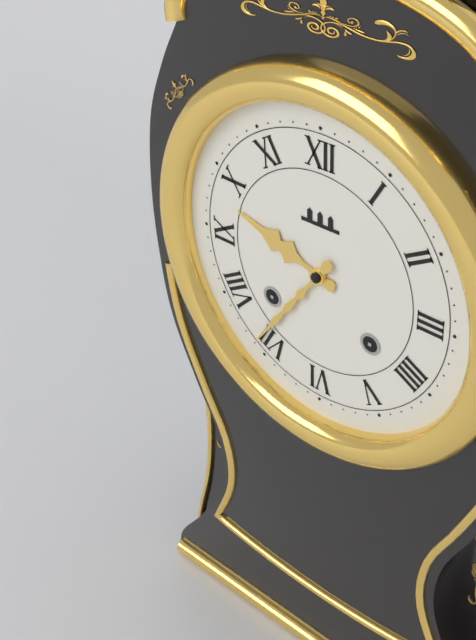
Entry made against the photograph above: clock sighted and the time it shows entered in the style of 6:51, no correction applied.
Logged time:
9:36
